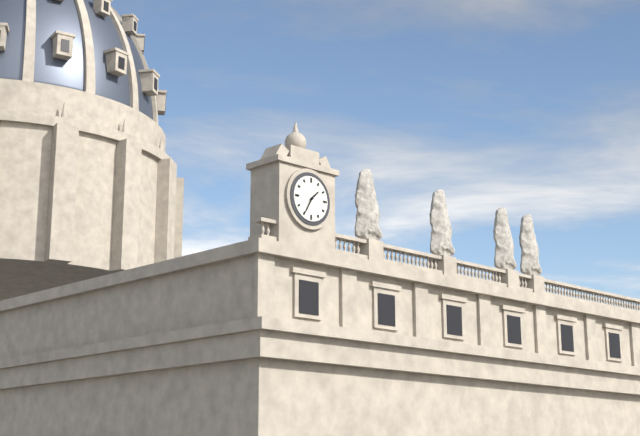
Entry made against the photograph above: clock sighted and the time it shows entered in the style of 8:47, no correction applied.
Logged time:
1:35
